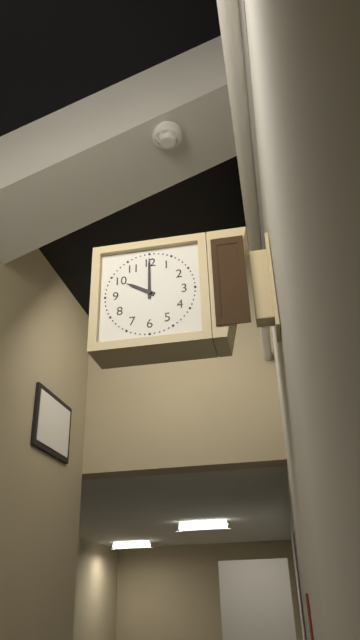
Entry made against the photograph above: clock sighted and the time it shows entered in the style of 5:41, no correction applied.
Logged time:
10:00
